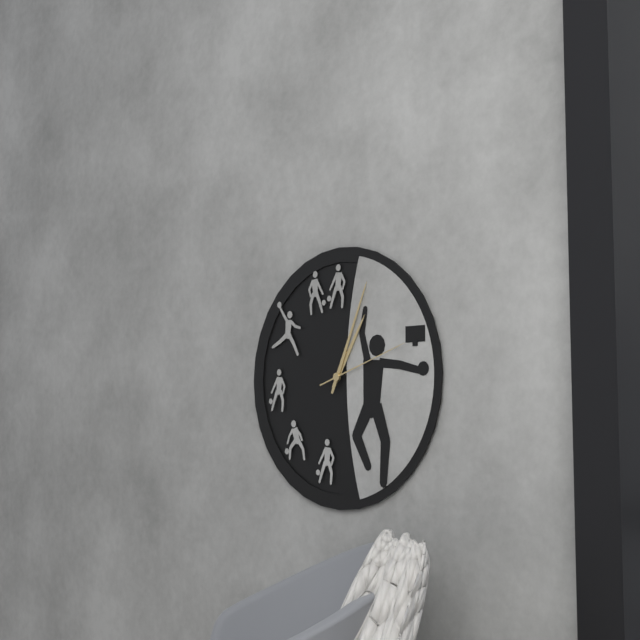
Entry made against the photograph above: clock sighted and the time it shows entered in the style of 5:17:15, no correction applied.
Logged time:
1:04:12
